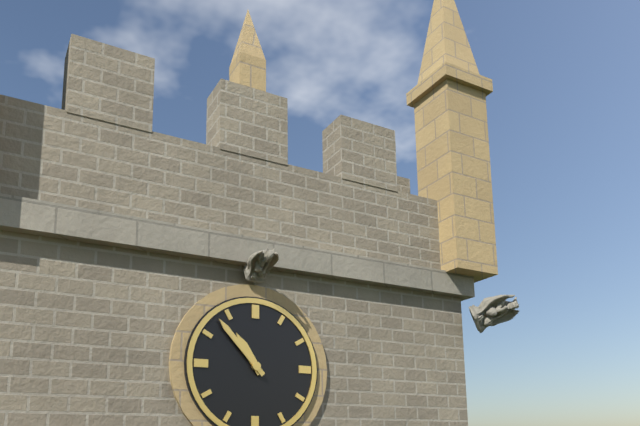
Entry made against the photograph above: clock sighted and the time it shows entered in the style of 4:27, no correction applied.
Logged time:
10:53
